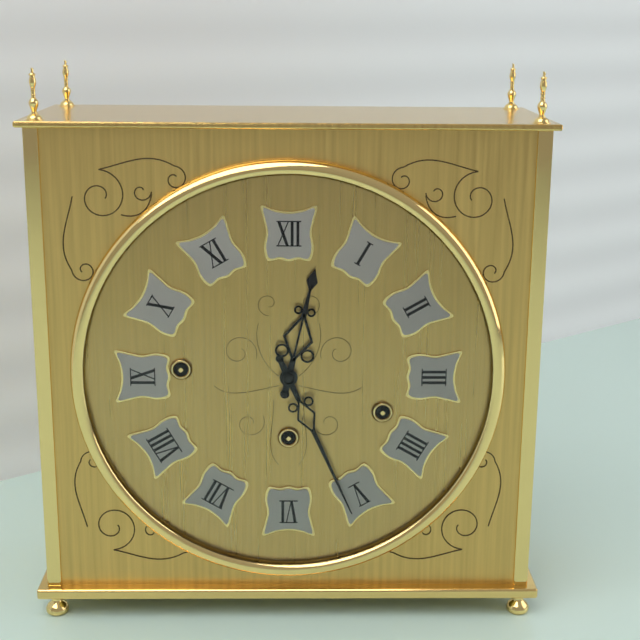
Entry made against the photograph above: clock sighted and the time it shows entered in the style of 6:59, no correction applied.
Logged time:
12:26
